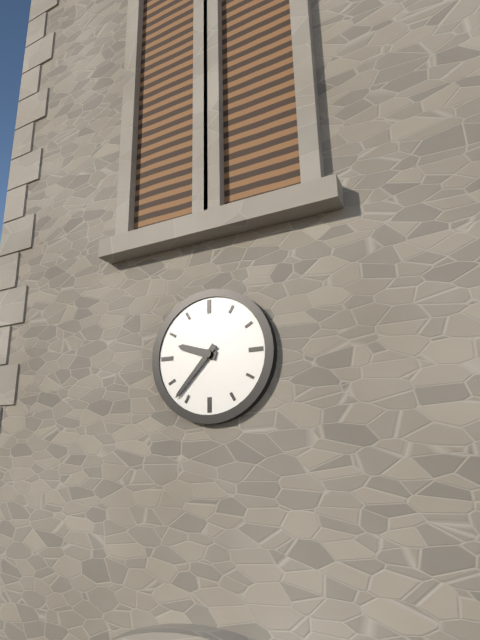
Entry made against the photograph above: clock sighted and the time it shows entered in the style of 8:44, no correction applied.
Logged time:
9:37
